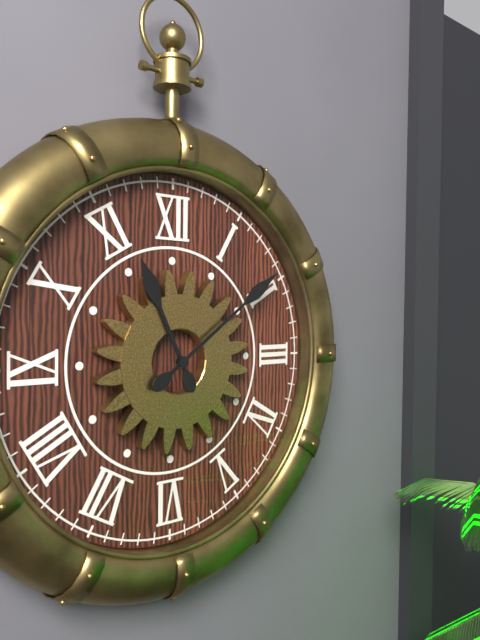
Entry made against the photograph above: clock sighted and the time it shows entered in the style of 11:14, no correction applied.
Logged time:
11:09
